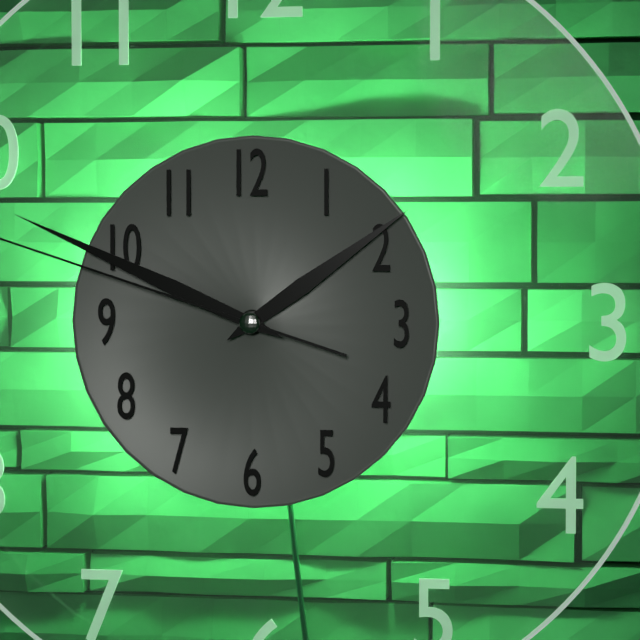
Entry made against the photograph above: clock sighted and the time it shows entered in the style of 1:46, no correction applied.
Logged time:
1:49
